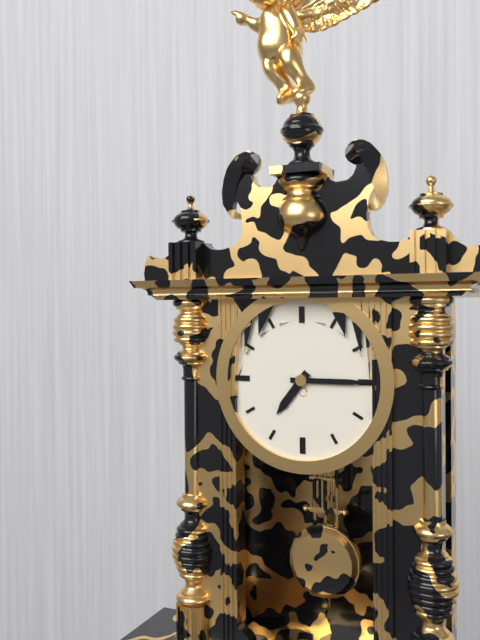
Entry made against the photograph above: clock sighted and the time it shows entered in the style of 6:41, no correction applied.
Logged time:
7:15
